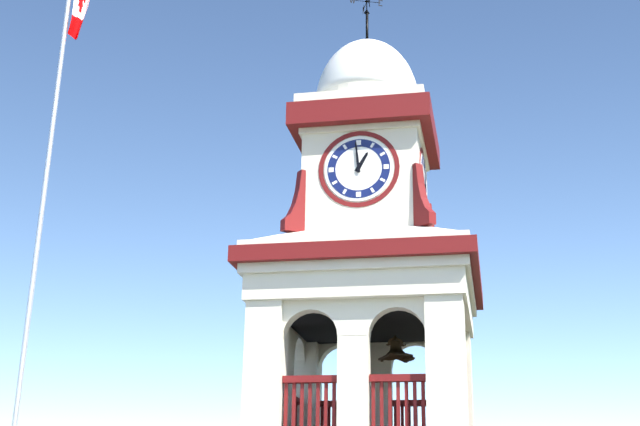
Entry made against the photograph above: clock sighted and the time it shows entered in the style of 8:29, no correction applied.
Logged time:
12:59
